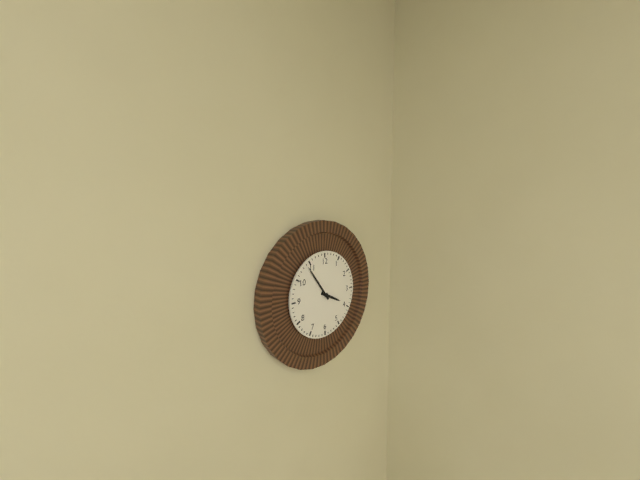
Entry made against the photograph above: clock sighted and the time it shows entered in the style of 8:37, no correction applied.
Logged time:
3:54
